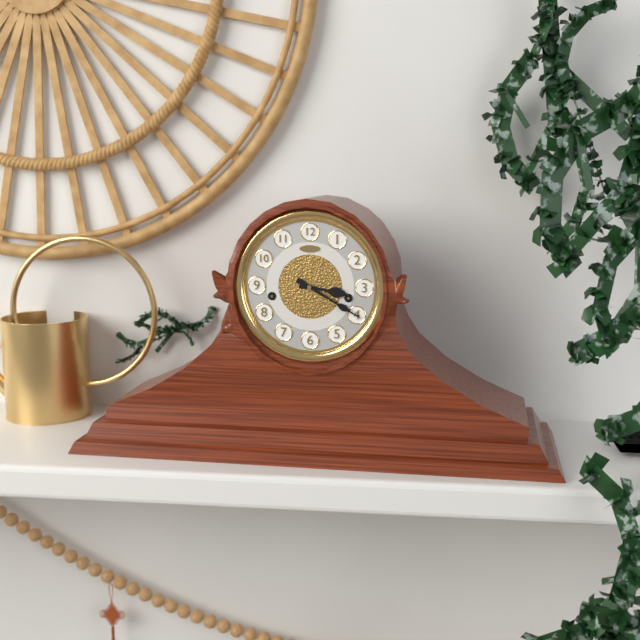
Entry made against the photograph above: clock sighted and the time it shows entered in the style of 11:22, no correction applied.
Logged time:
3:20
